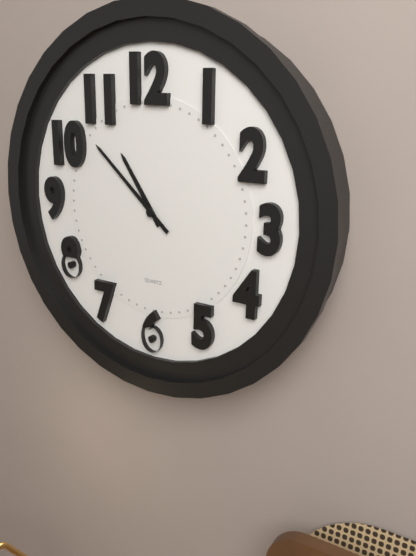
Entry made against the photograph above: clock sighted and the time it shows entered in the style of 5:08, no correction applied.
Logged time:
10:52
